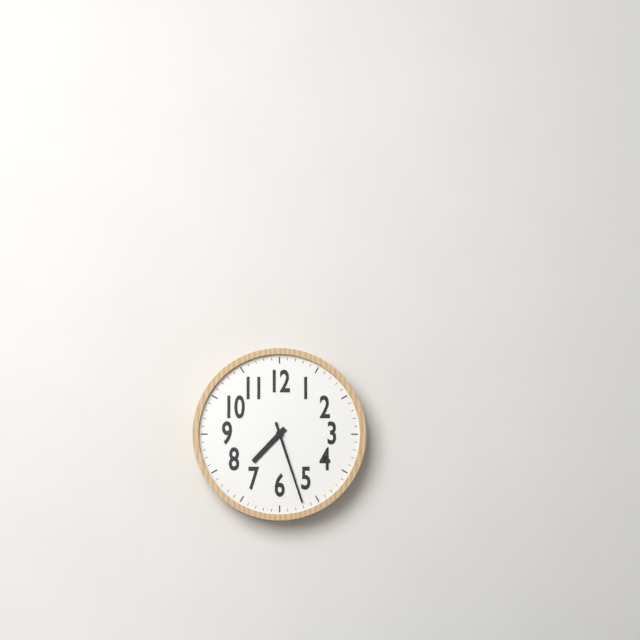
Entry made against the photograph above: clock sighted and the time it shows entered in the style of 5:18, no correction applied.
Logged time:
7:27
